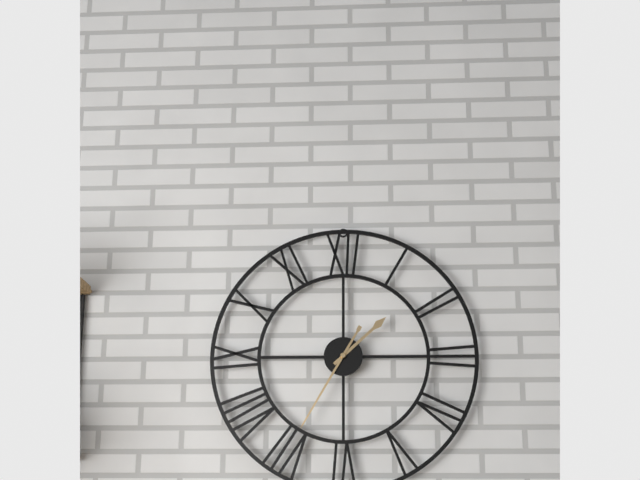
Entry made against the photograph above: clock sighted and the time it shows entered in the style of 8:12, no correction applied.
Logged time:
1:35
